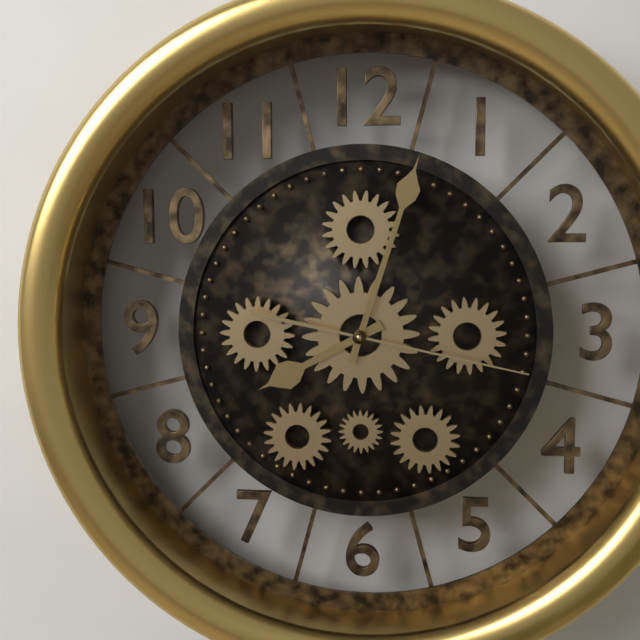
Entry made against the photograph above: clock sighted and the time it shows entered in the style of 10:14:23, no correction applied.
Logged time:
8:03:17
